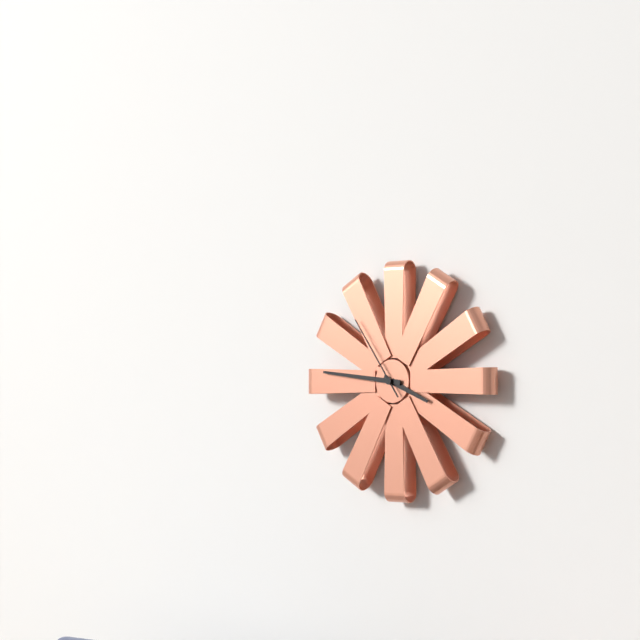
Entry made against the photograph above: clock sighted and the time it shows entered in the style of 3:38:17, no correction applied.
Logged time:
3:46:54
